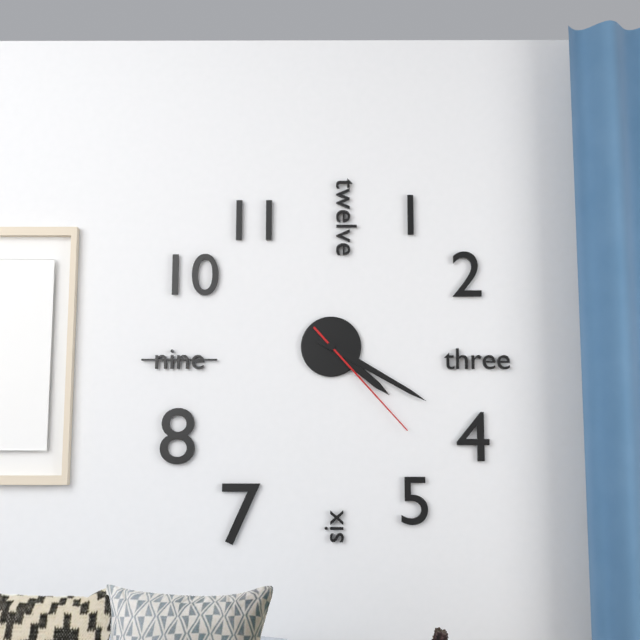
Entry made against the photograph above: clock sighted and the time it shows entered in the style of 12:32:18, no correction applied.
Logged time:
4:20:23
